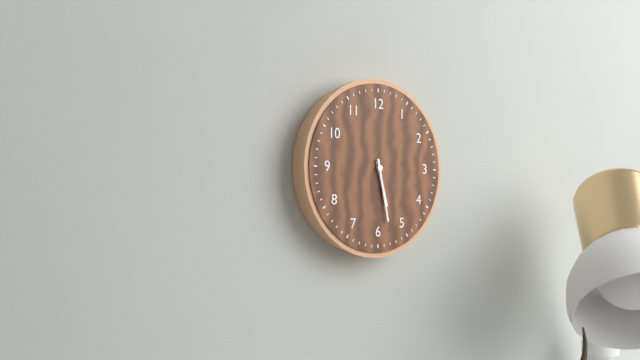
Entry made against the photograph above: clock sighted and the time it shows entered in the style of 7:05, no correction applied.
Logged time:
5:28
